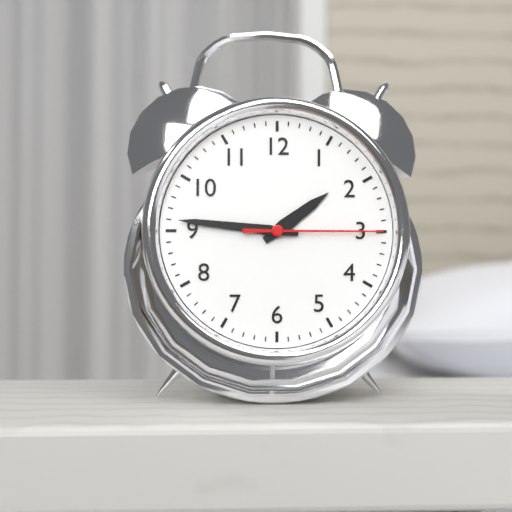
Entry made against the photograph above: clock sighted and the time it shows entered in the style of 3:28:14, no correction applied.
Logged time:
1:46:15
